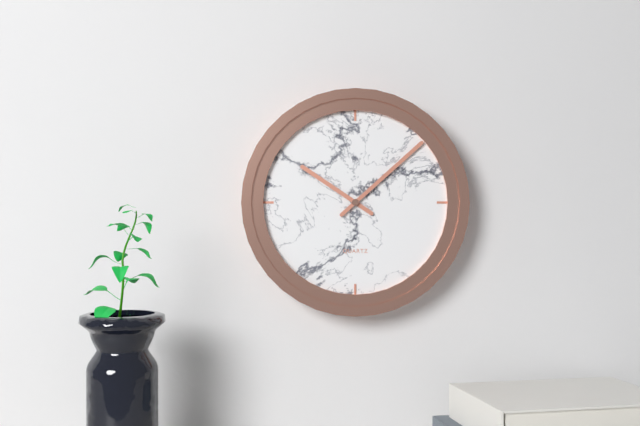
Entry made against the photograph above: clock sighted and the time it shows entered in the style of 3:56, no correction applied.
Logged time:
10:08
